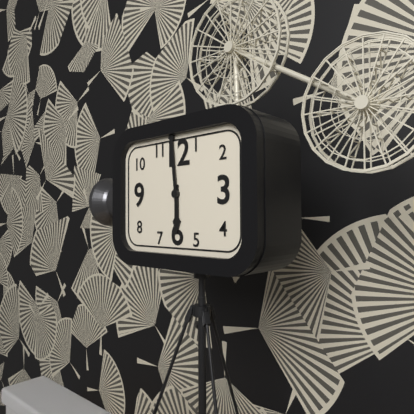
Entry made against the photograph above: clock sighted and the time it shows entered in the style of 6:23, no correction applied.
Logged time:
5:59
